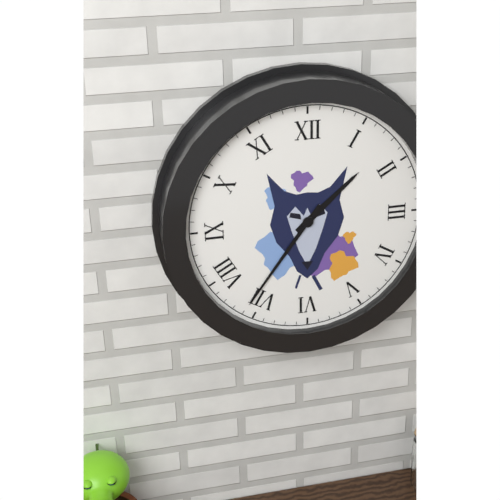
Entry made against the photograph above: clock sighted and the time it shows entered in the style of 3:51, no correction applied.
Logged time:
1:36
